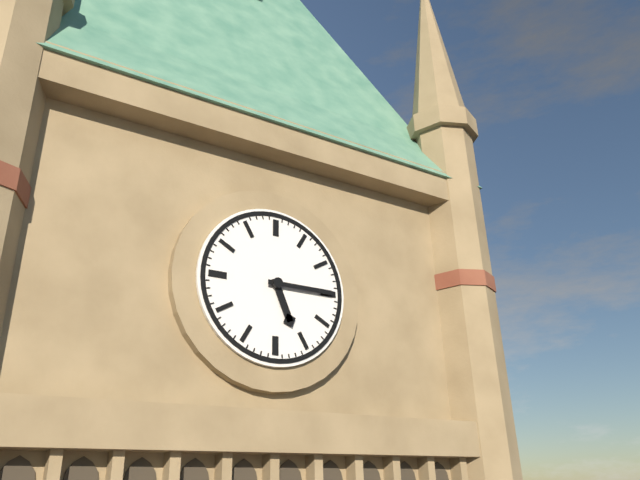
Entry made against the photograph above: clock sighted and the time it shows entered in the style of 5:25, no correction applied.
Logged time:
5:15
